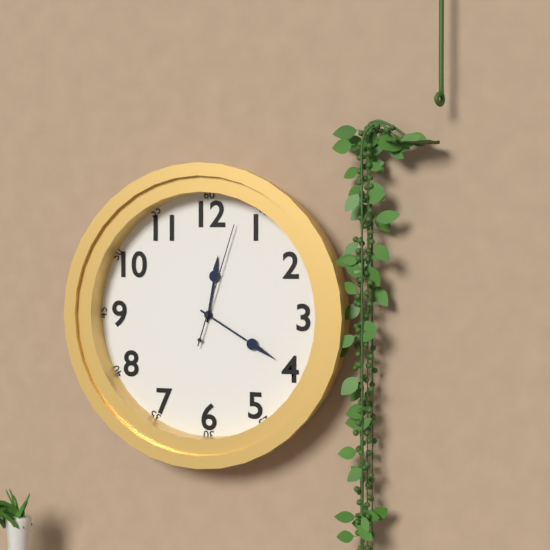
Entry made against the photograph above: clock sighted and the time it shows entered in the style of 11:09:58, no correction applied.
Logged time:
12:20:03
